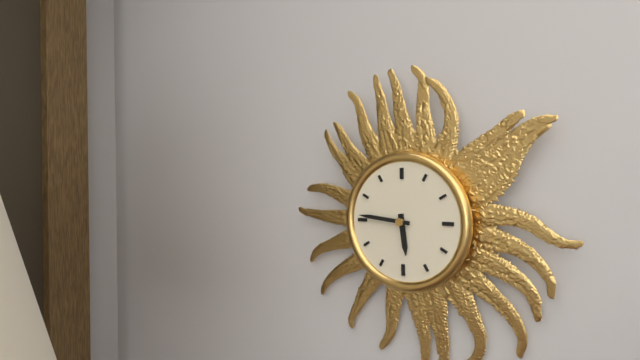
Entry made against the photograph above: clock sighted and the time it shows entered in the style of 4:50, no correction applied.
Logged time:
5:46
